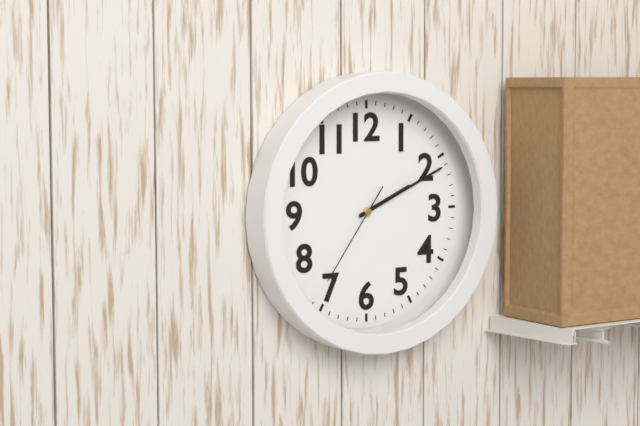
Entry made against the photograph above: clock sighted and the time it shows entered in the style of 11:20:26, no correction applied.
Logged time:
2:11:36
